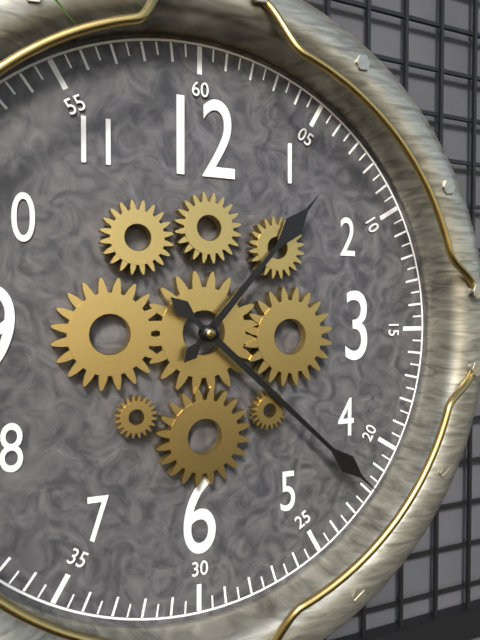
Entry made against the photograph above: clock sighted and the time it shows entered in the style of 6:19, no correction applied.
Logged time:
1:22
